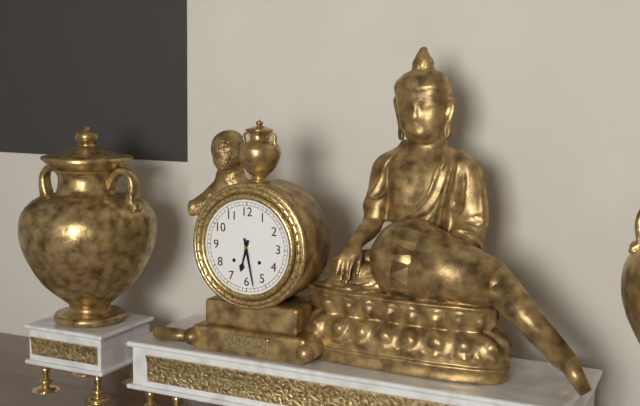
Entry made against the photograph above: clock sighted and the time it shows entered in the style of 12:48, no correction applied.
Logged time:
6:28
